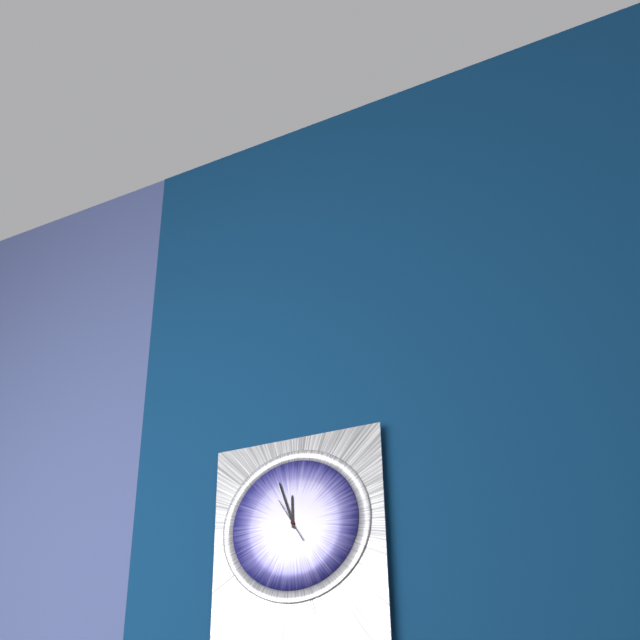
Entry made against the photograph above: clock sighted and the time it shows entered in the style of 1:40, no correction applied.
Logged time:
11:57
